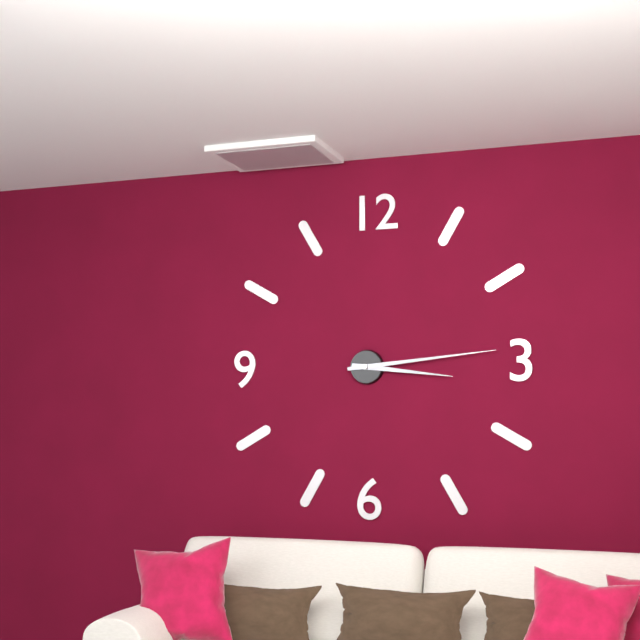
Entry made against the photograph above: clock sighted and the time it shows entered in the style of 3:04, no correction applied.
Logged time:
3:14
